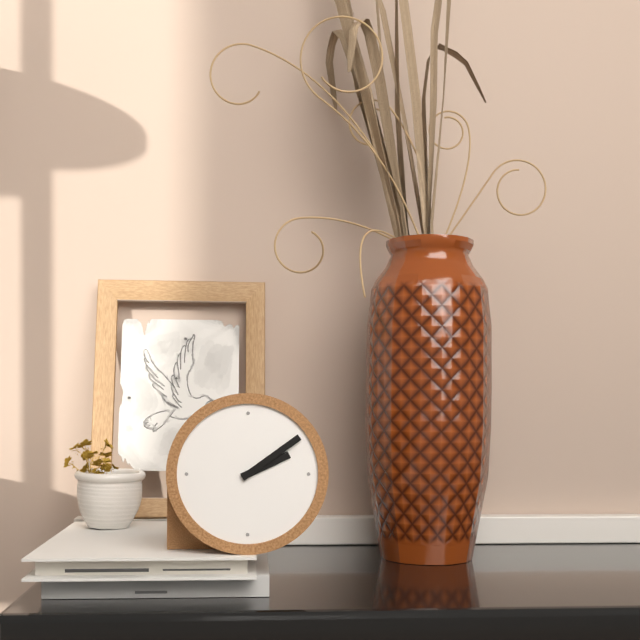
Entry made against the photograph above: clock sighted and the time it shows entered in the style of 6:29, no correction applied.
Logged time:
2:09
